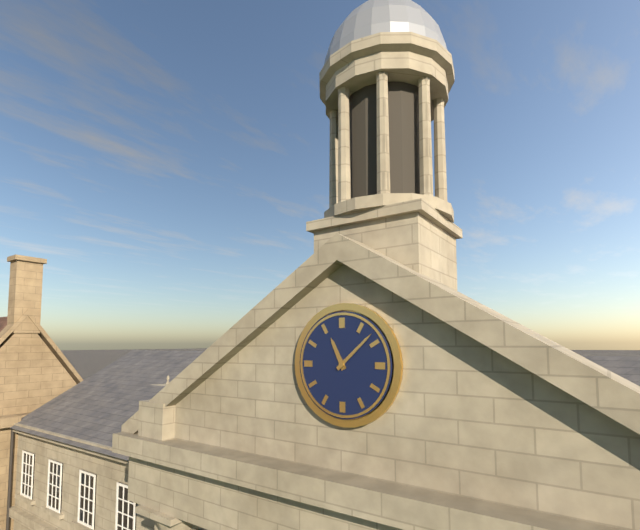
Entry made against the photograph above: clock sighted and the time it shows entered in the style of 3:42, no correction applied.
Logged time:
11:08
